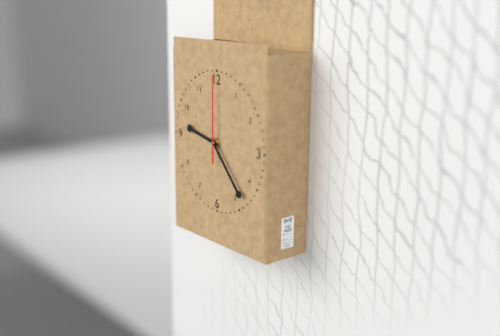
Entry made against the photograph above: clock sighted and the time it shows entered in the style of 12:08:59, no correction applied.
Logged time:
9:23:00
